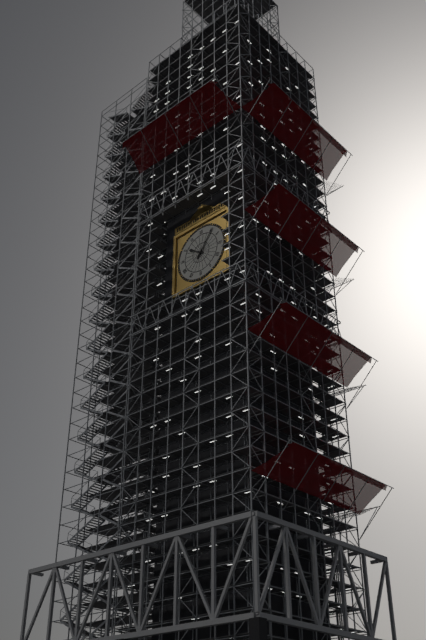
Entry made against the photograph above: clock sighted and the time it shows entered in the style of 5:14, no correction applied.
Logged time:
10:06
